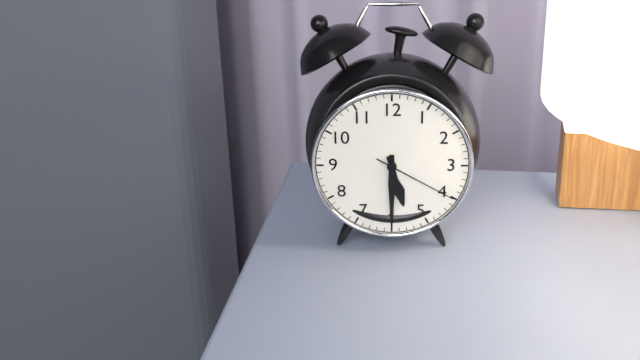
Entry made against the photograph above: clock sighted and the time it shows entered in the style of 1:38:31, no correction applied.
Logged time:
5:30:20
